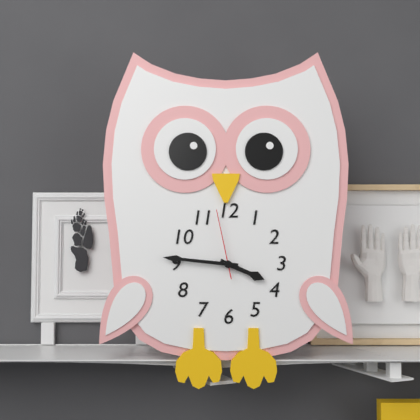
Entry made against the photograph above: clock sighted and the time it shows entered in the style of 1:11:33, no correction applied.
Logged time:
3:46:58
